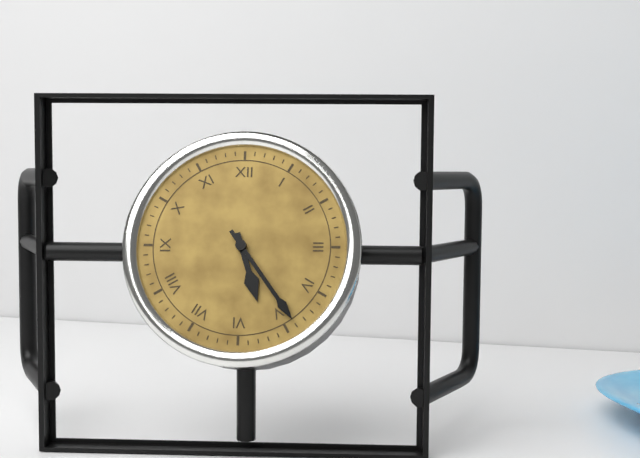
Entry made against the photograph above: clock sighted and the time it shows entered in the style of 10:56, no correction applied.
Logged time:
5:24
